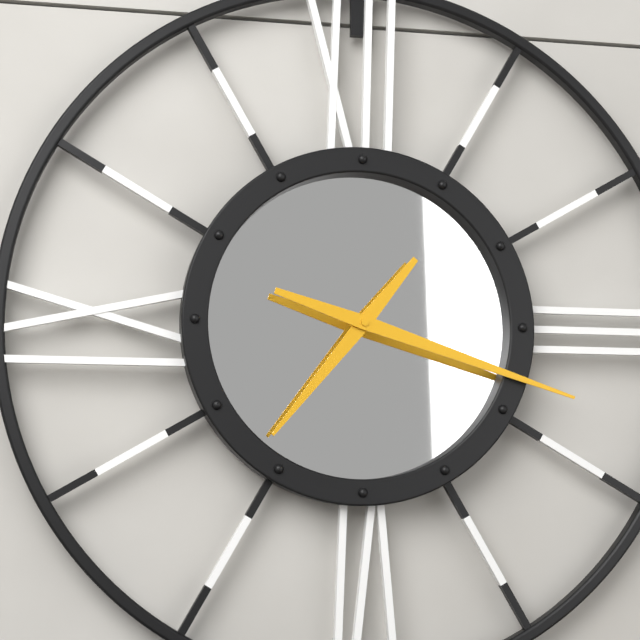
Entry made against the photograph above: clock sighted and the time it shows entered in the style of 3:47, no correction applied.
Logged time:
7:18
